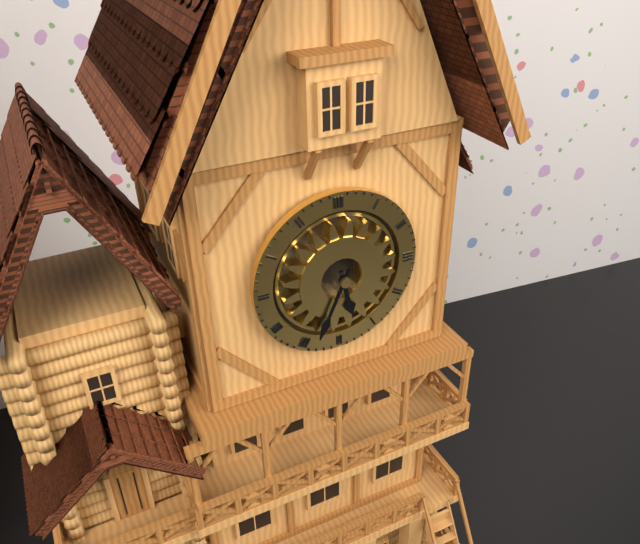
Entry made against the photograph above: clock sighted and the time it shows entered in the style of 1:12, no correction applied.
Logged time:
5:34
